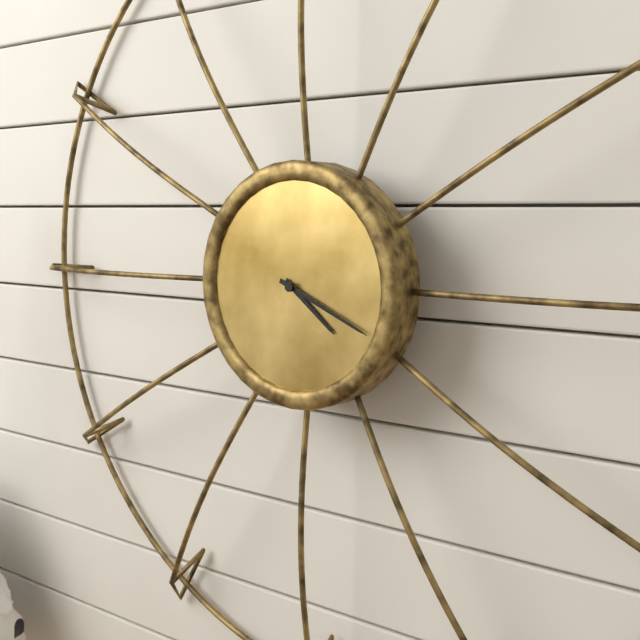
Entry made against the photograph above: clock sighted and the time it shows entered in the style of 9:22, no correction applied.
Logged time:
4:19
